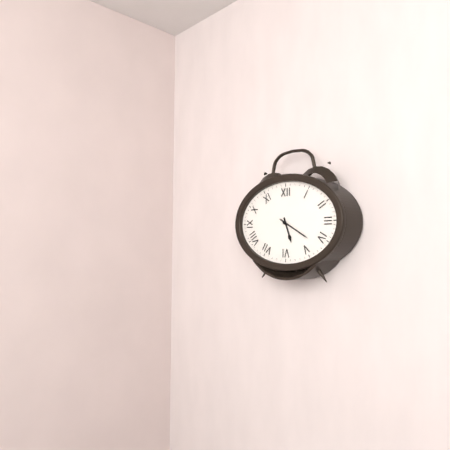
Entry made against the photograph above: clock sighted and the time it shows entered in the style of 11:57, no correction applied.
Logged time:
5:20
